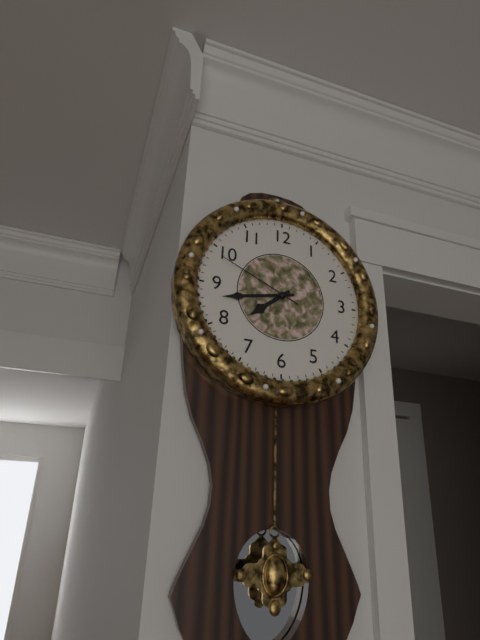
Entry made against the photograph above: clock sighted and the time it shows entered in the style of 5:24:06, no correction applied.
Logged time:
7:43:49
